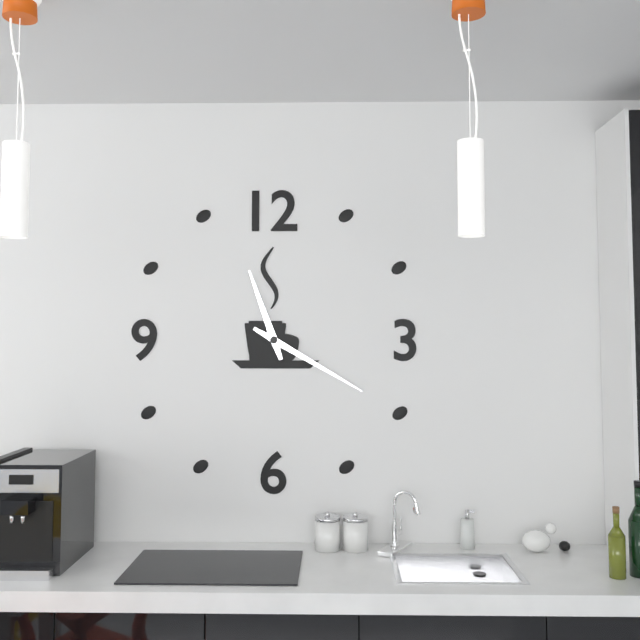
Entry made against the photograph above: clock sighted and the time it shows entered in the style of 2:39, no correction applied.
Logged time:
11:20
